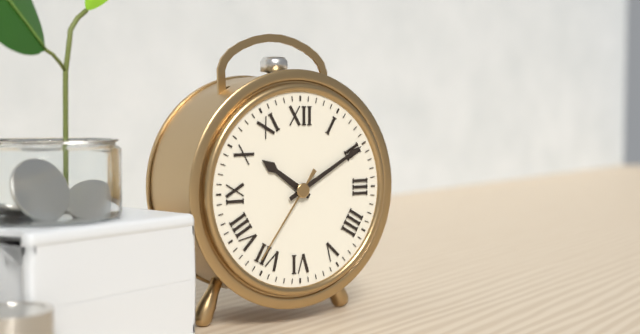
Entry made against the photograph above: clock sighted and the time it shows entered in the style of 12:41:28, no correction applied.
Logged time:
10:10:36
